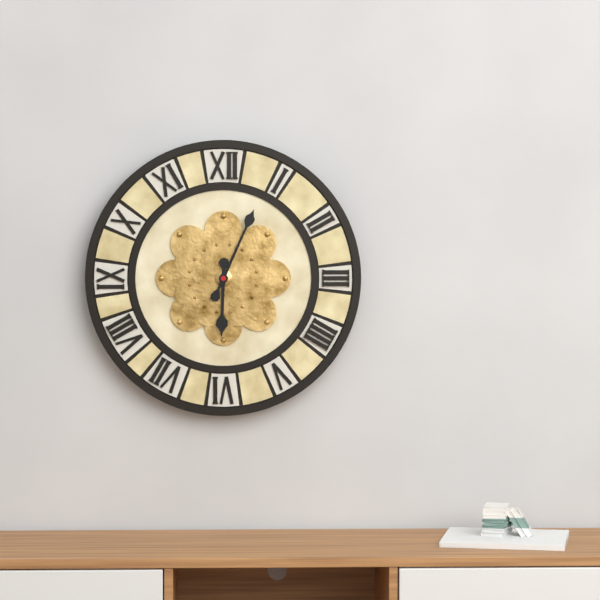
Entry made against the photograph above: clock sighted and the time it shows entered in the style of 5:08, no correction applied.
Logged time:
6:04
